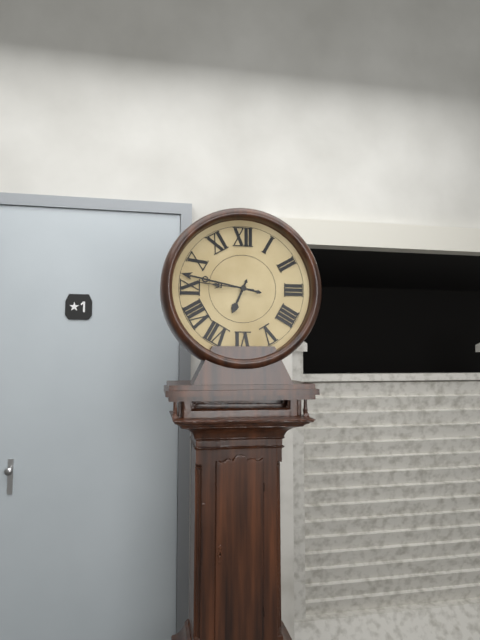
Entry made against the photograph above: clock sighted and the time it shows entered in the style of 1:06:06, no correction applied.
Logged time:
6:47:46
